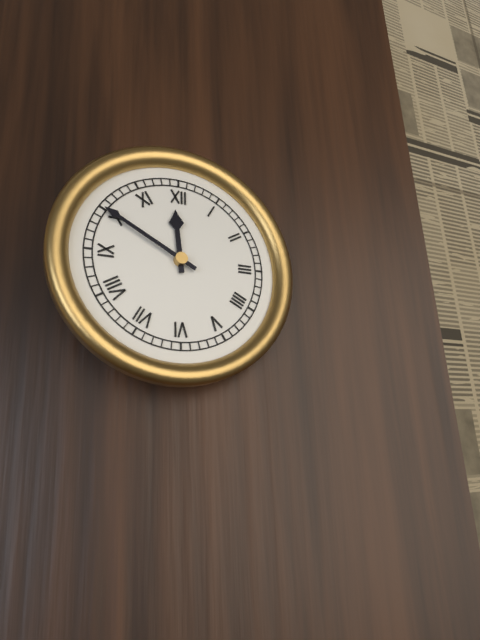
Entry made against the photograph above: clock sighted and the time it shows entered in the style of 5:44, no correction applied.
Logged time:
11:50
